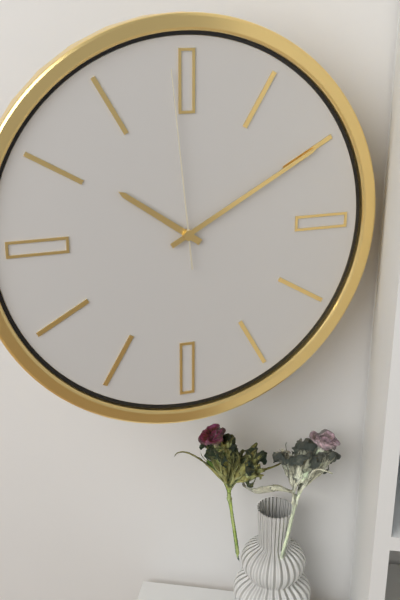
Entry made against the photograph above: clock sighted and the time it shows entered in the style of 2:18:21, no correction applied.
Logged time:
10:10:59
